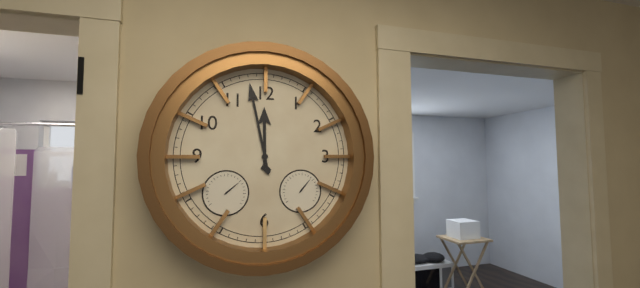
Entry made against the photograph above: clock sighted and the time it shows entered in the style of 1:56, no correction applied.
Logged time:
11:58
